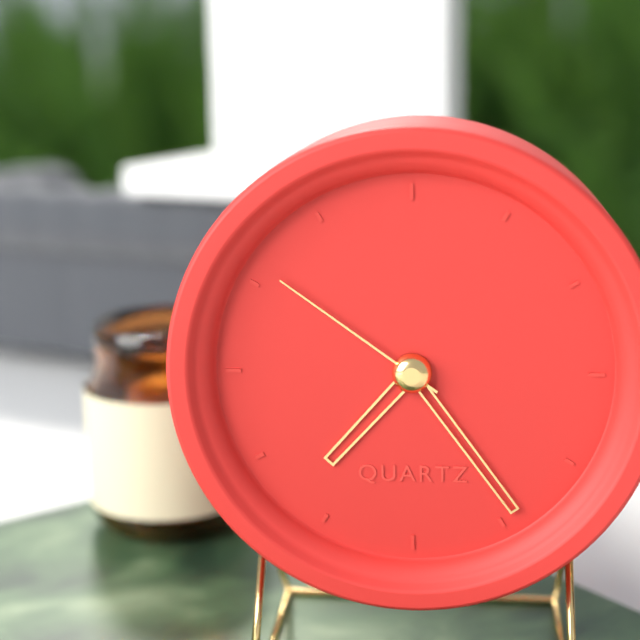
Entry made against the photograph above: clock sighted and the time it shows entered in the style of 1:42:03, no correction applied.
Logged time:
7:24:51
